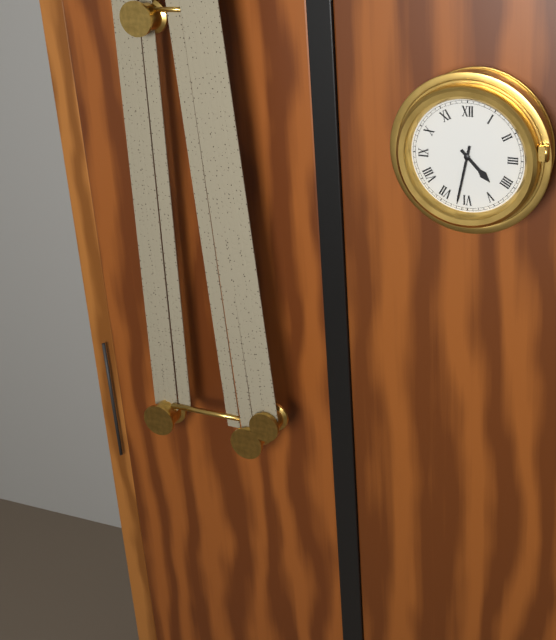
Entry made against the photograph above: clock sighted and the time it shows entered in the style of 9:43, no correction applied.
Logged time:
4:32
